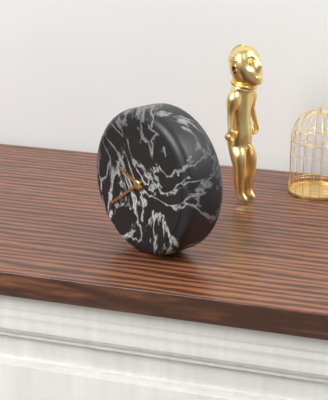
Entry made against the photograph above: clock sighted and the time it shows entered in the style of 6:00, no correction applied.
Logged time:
9:39
